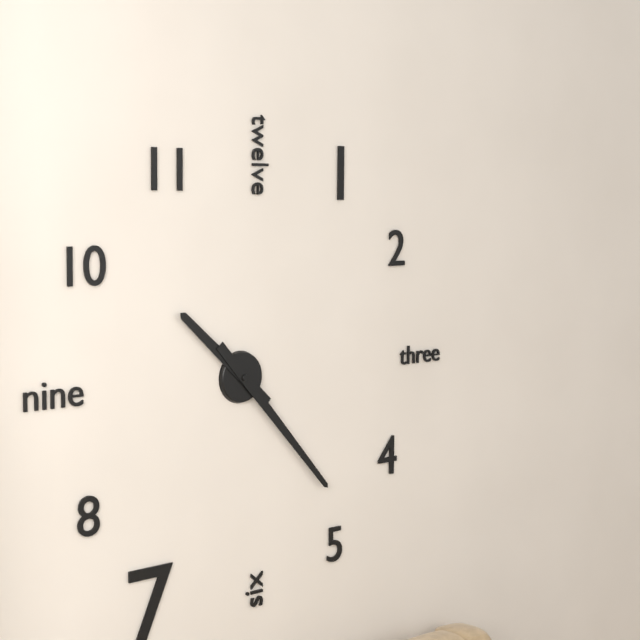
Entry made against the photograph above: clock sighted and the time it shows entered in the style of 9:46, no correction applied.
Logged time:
10:23
